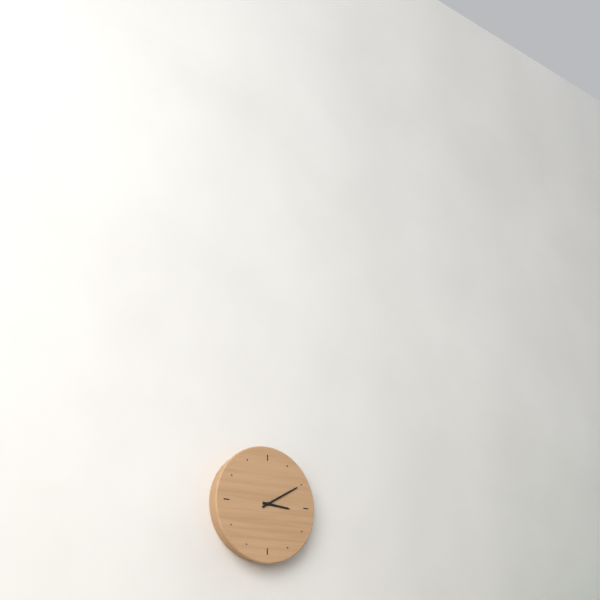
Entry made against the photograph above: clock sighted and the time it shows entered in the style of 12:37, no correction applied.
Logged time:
3:10
